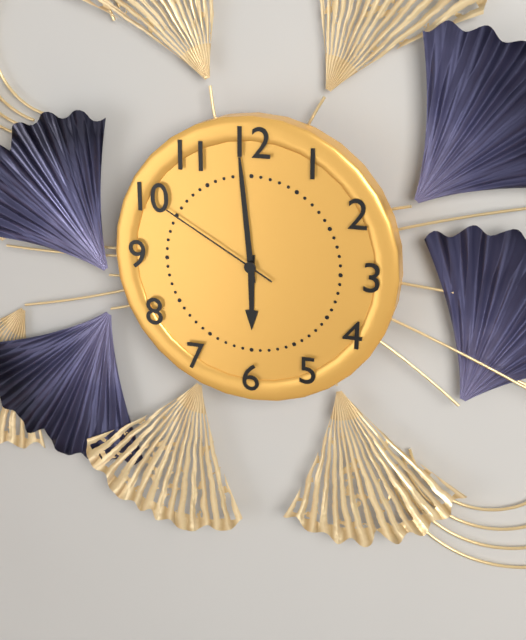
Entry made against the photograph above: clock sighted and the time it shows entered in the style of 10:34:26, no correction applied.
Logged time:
5:59:50
